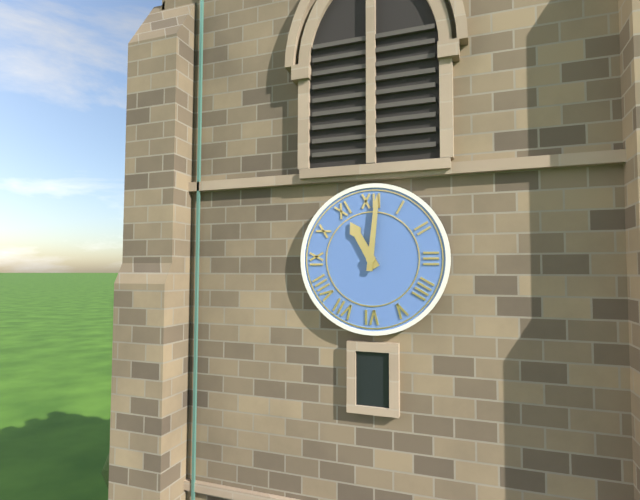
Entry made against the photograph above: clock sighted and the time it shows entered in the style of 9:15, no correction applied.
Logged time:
11:01
